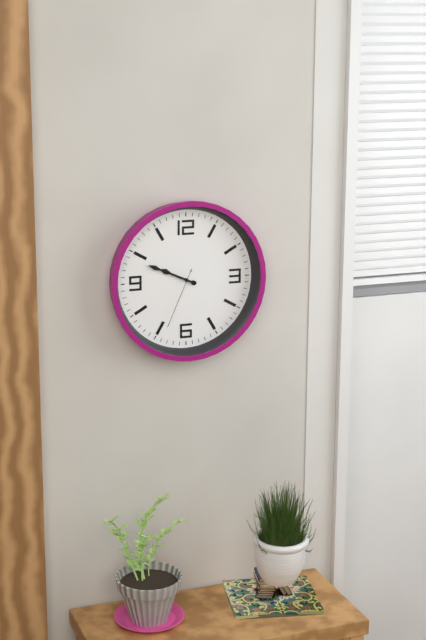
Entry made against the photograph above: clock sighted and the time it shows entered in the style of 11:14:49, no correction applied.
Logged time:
9:49:34
